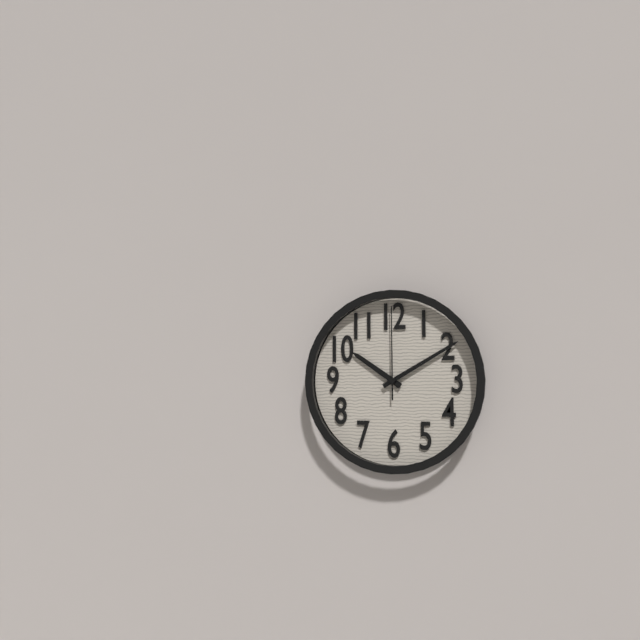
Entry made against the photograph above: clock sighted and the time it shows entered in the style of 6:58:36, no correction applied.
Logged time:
10:10:00
